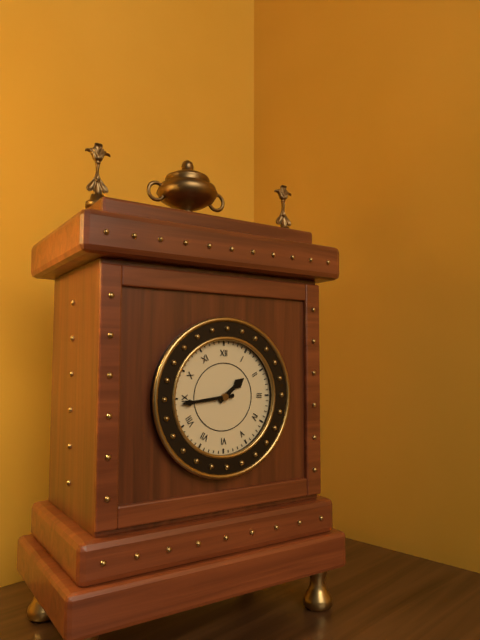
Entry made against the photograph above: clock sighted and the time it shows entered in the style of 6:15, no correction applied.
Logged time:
1:44
